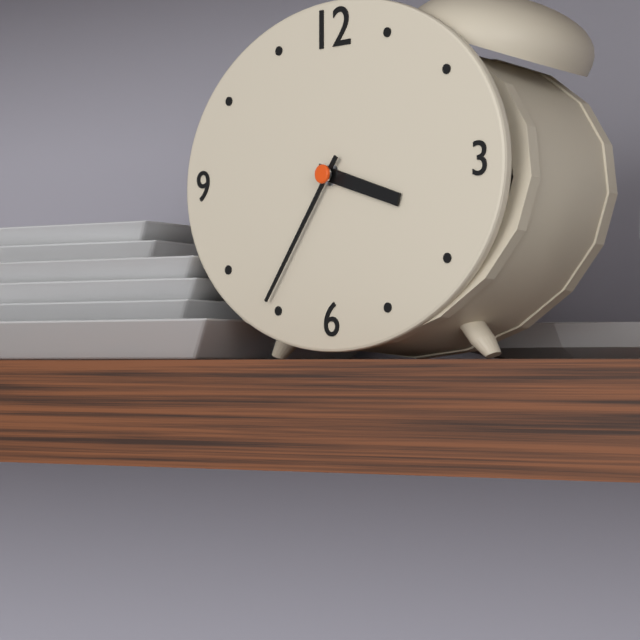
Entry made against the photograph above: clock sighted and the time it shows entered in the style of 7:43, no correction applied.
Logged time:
3:36
